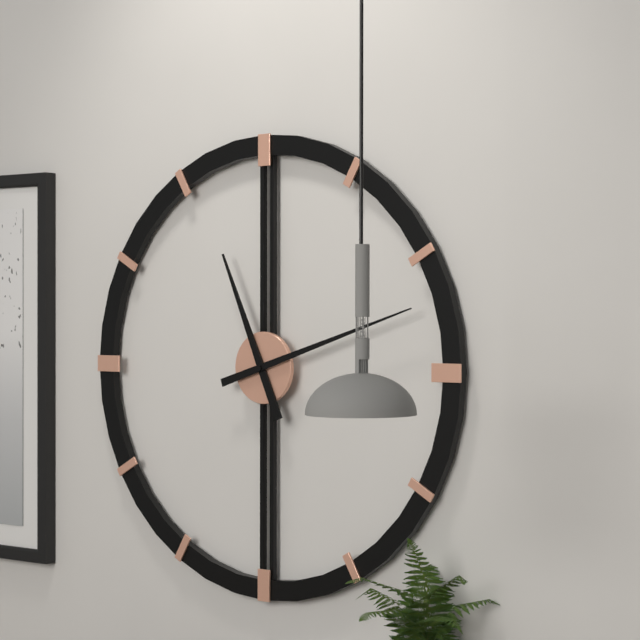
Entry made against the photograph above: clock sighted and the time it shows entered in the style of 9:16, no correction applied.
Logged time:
11:12
